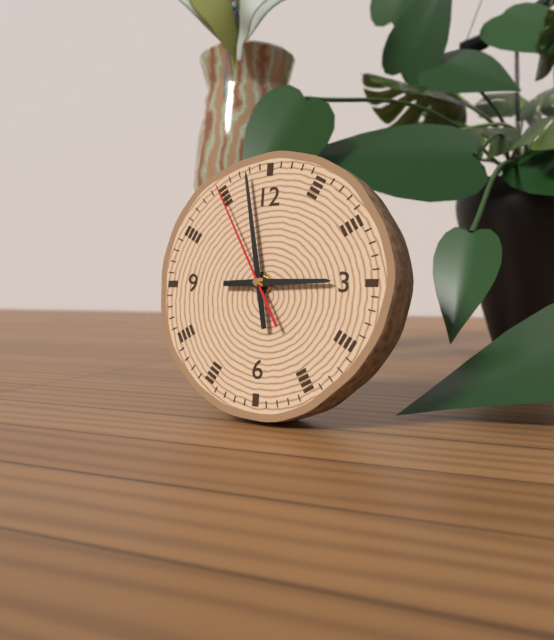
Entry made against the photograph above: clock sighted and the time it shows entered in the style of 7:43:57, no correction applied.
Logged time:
2:58:55
